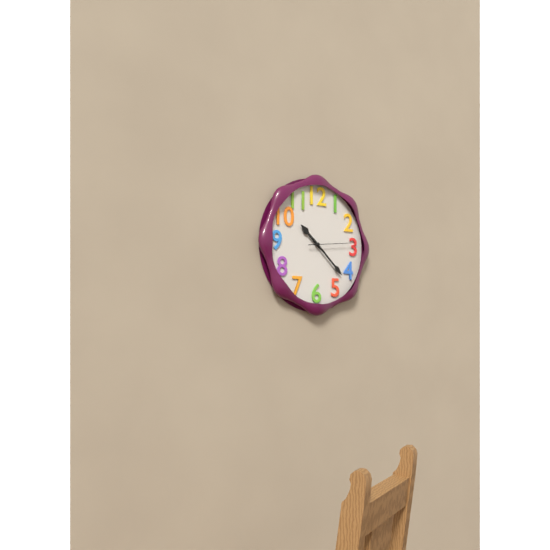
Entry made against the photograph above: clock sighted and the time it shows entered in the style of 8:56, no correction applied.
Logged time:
10:22
